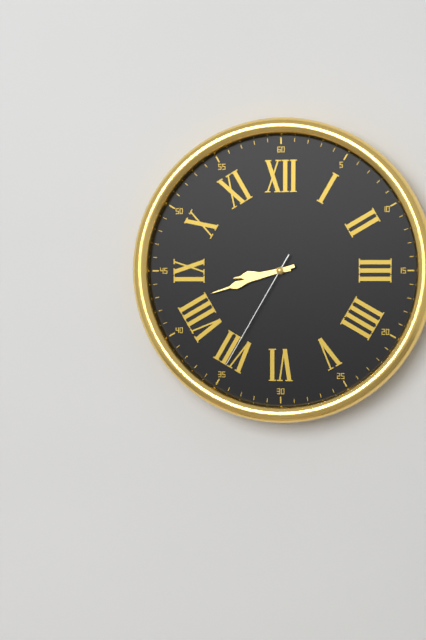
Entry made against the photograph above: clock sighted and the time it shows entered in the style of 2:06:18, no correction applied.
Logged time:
8:42:35
